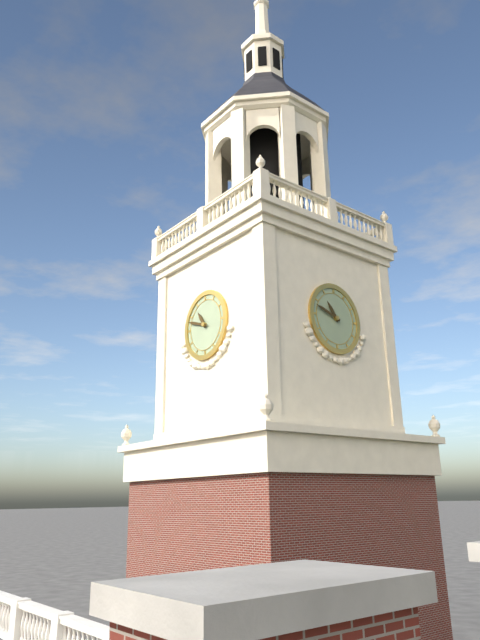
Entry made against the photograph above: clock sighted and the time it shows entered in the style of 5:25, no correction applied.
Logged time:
10:48
